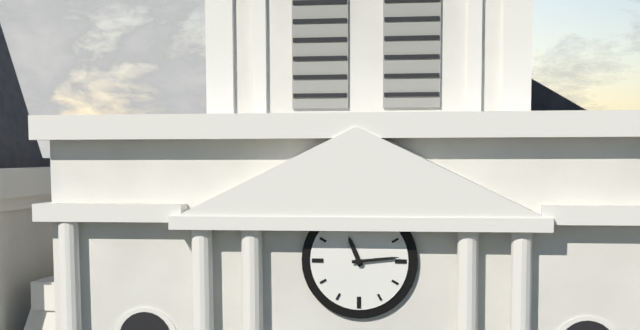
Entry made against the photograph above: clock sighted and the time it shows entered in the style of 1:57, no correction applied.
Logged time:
11:14
